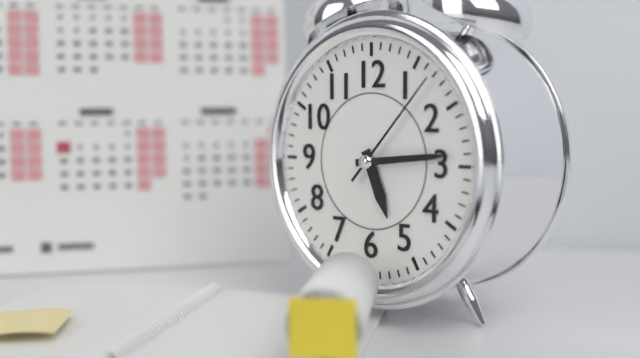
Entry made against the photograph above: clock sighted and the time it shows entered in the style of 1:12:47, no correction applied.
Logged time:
5:14:07
